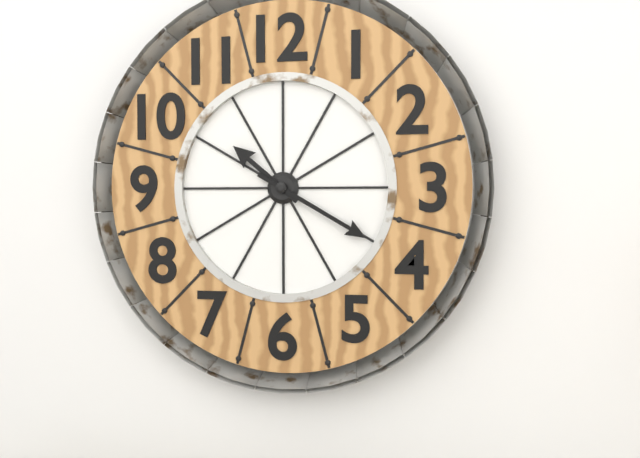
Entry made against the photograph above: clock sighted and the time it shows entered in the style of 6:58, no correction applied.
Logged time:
10:20
